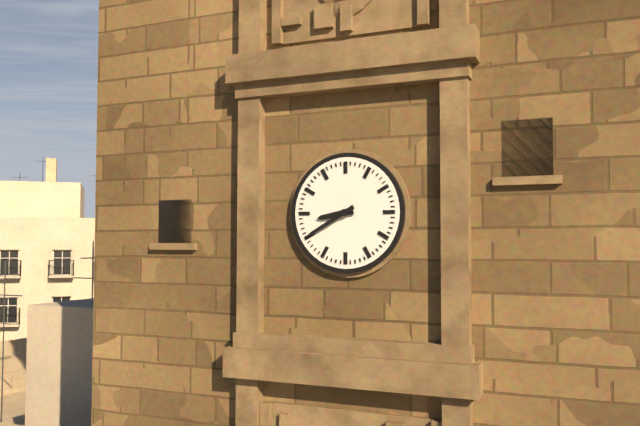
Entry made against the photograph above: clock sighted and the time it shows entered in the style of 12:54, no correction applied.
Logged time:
8:40
